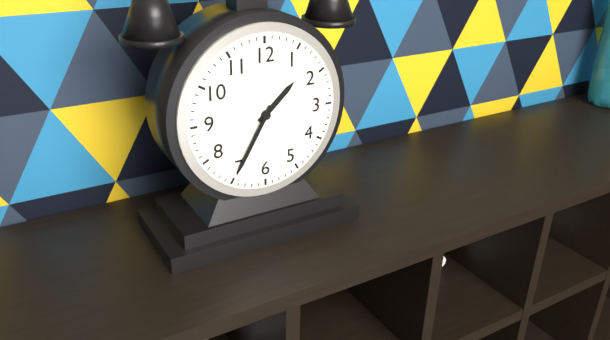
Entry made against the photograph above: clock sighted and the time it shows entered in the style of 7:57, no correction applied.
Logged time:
1:35
